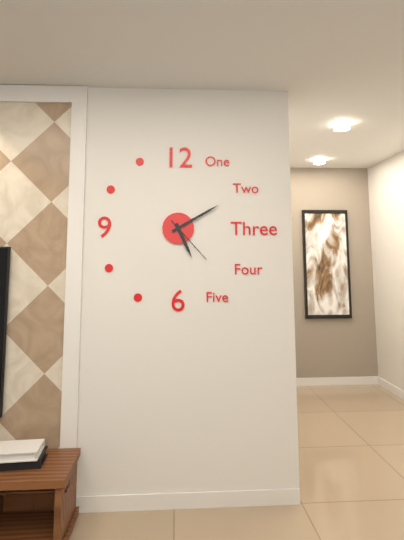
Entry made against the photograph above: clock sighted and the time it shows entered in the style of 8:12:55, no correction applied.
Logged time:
5:10:23
